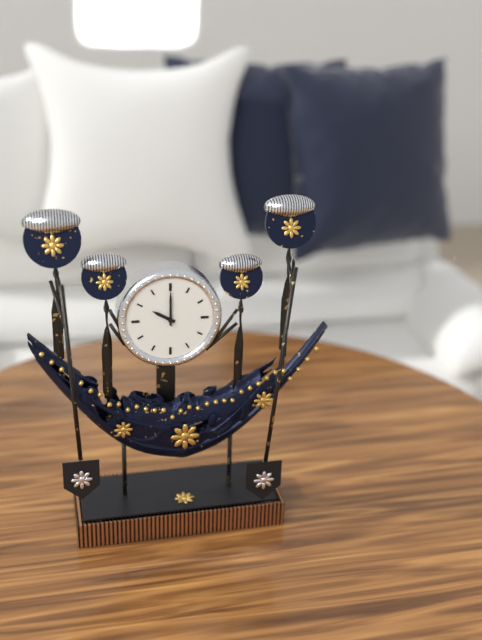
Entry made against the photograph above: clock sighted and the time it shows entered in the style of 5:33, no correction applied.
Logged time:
10:00
